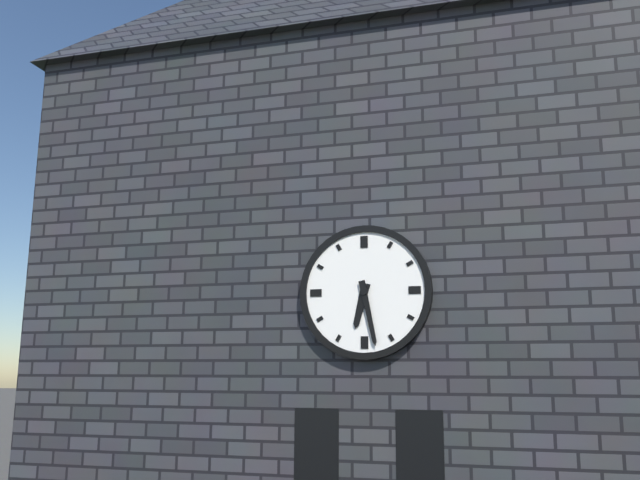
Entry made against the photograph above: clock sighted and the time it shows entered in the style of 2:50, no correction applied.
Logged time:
6:28
